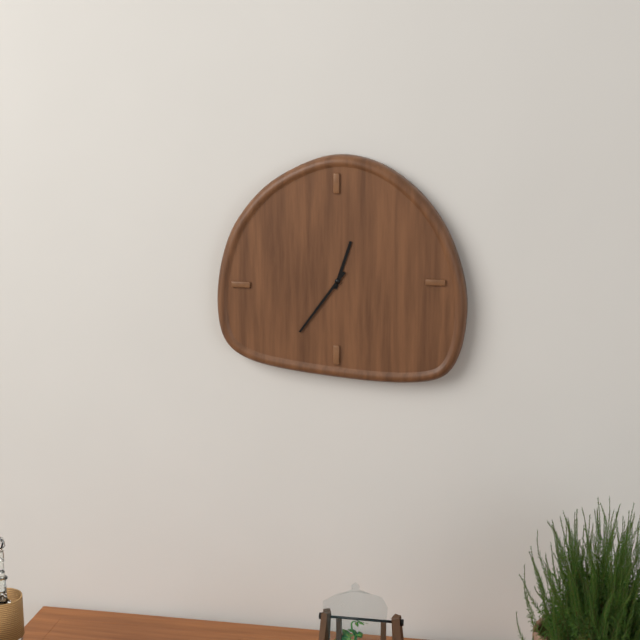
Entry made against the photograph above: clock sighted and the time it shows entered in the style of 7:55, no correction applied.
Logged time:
12:36
